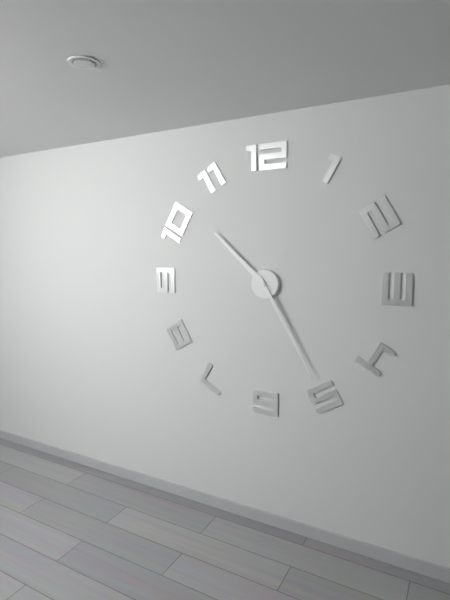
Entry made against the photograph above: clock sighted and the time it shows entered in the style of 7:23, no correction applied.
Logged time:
10:25
